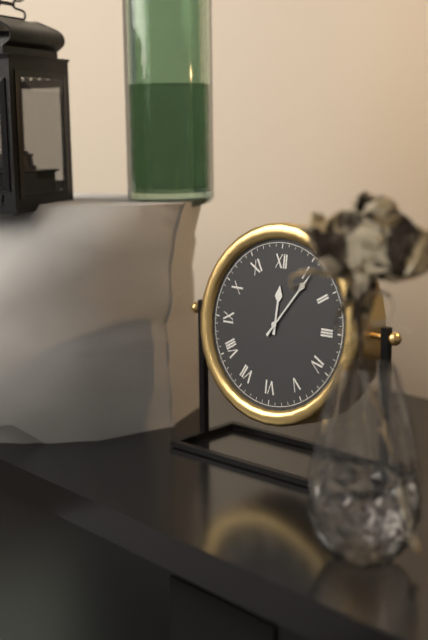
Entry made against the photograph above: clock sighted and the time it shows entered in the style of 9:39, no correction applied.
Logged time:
12:06
